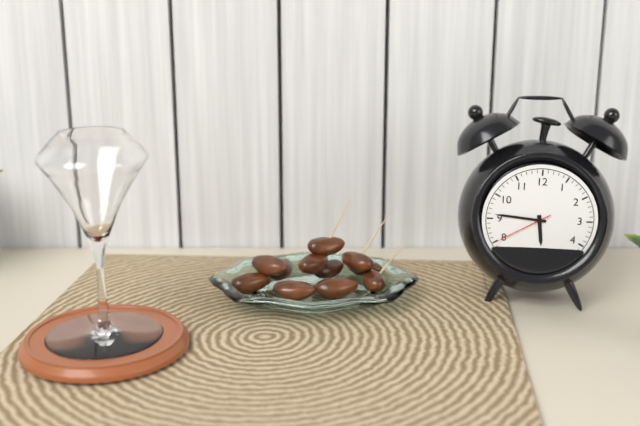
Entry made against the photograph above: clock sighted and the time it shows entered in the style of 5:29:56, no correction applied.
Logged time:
5:46:40
